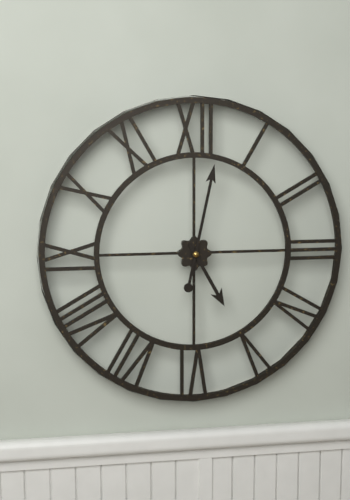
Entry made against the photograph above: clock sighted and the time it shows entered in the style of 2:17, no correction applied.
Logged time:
5:02
